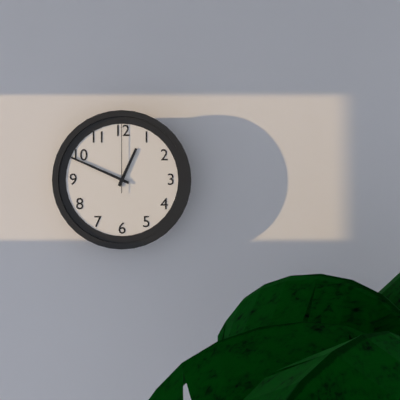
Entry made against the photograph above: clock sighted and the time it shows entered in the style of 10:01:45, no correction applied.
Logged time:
12:49:00
